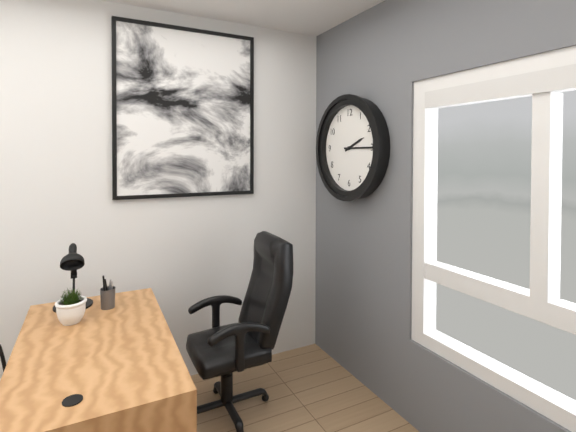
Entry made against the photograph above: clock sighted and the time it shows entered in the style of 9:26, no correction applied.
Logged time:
2:15
